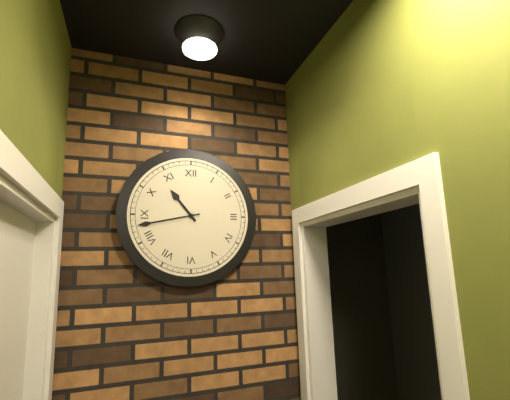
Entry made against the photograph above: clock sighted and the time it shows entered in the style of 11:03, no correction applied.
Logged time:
10:43
